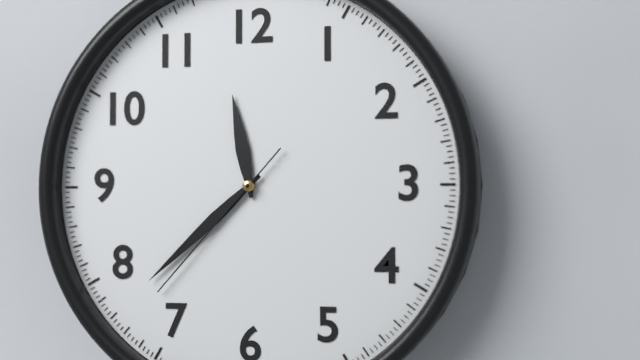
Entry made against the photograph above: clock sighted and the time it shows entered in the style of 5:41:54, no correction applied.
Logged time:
11:38:37
